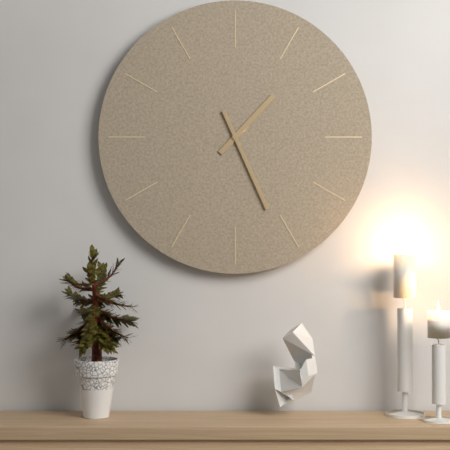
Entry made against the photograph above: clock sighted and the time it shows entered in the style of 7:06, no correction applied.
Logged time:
1:26
